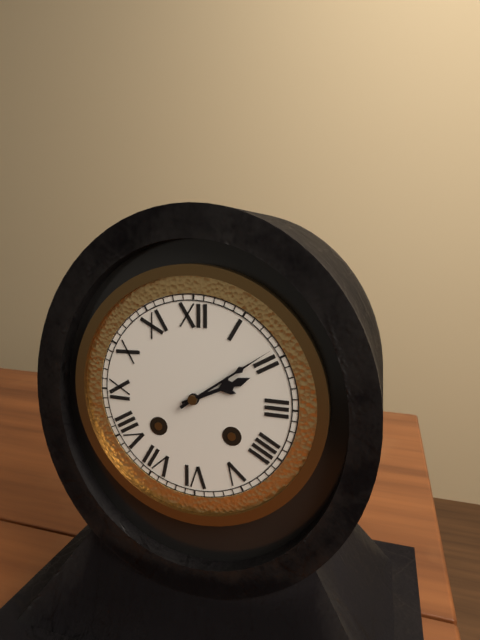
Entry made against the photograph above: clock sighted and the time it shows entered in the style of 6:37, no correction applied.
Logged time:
2:09
